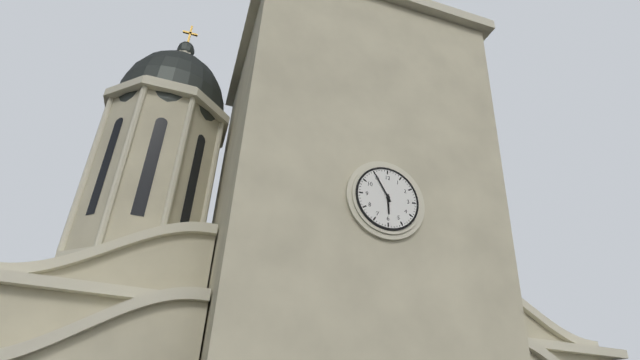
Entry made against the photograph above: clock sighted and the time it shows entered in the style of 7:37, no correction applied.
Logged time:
5:55
